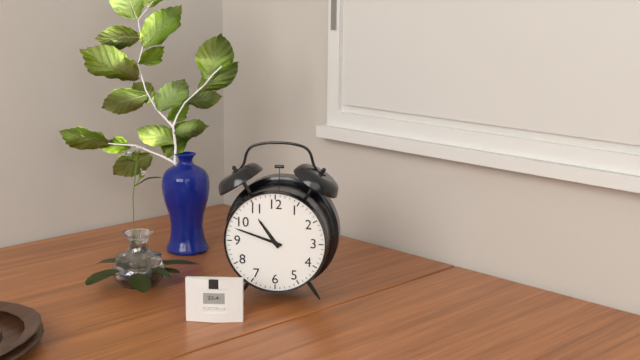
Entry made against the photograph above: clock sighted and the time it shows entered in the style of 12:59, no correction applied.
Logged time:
10:48
